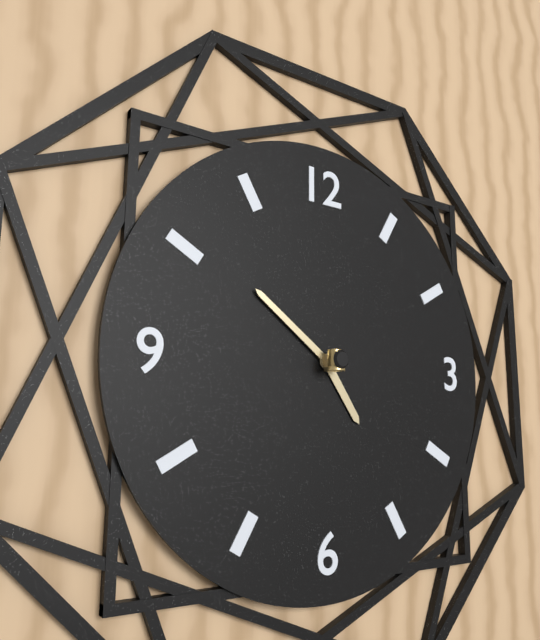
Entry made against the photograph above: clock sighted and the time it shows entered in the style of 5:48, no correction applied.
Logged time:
4:51
